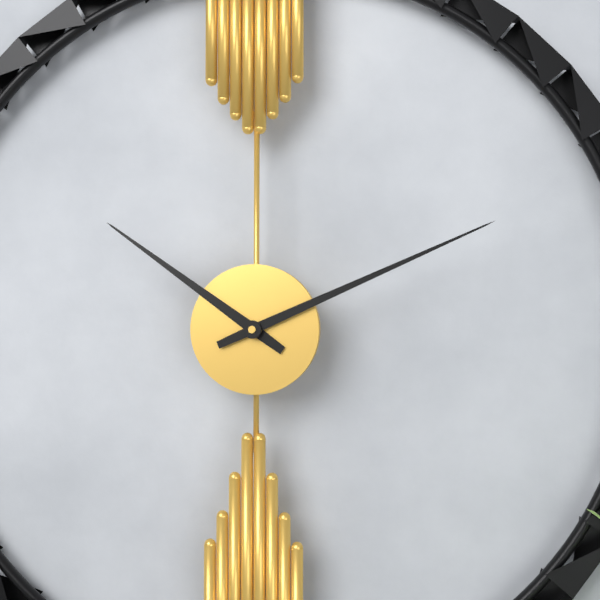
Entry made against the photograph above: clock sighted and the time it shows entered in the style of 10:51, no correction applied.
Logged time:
10:11
